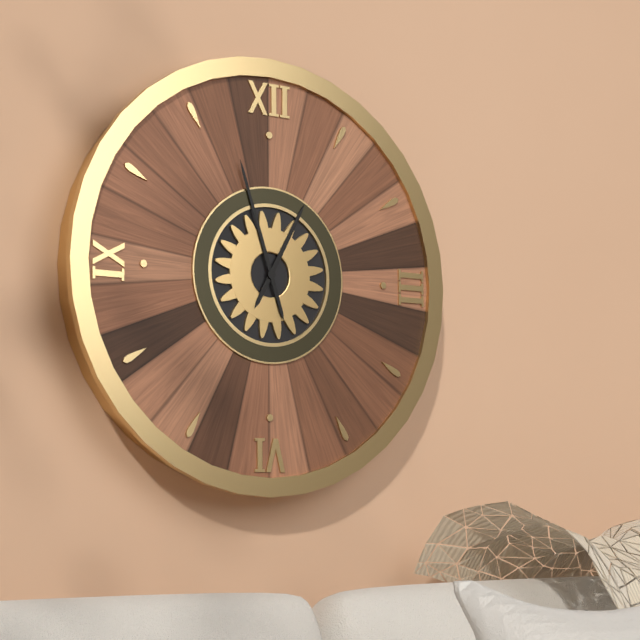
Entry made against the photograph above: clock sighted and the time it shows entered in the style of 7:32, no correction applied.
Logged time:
12:57
